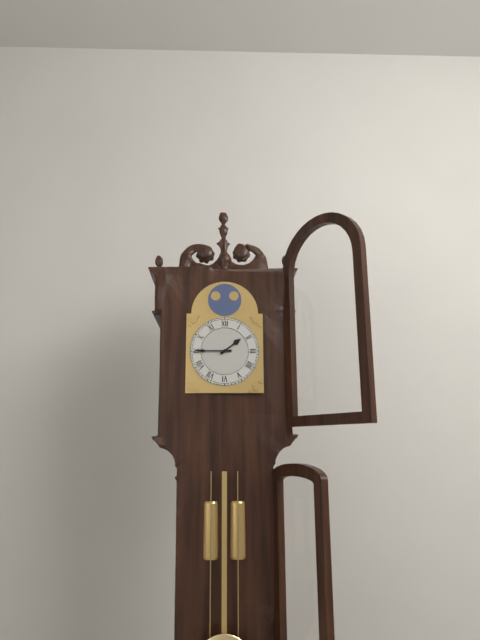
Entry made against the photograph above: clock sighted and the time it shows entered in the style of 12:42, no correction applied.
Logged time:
1:45
